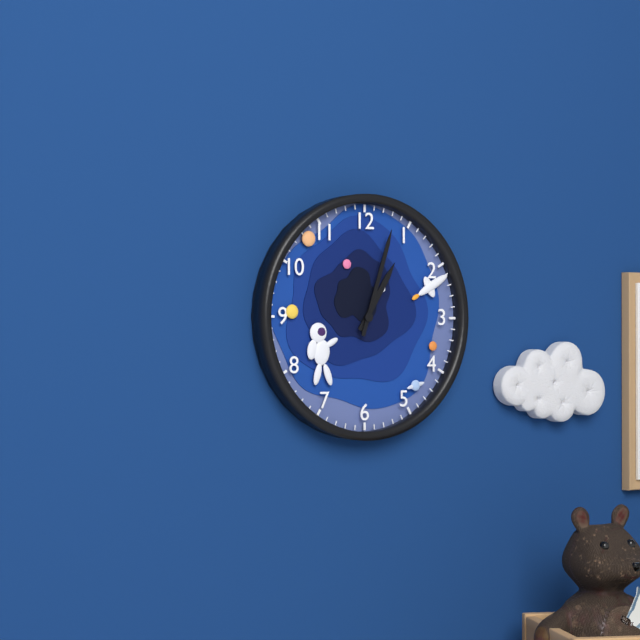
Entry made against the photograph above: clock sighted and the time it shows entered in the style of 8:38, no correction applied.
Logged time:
1:03
